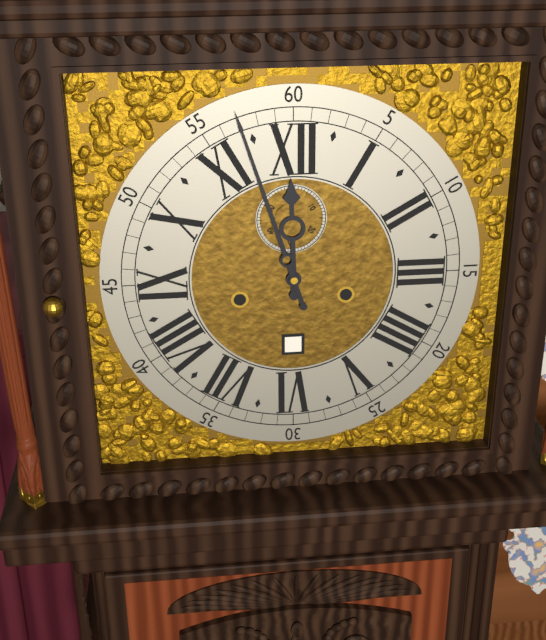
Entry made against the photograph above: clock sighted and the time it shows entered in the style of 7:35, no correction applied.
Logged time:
11:57
